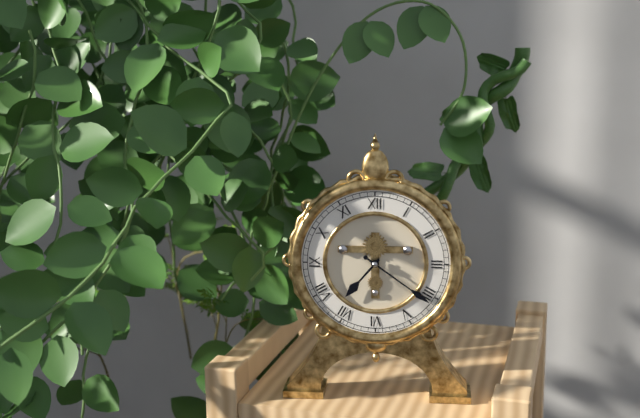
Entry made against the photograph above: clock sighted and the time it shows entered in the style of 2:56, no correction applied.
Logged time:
7:21
